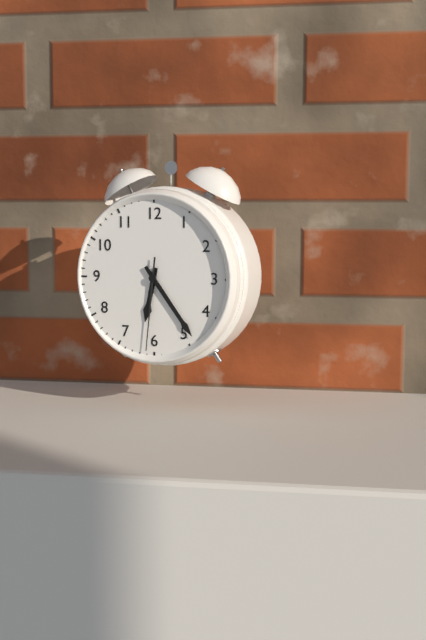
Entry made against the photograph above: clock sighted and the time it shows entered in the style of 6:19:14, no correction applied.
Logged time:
6:24:31
